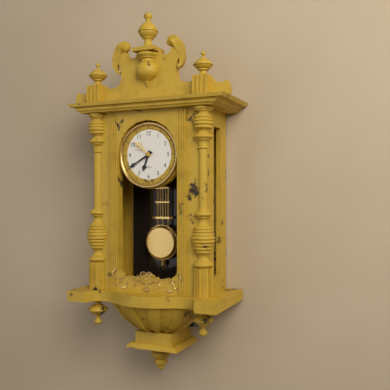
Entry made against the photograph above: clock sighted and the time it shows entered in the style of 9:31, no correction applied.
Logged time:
6:40
